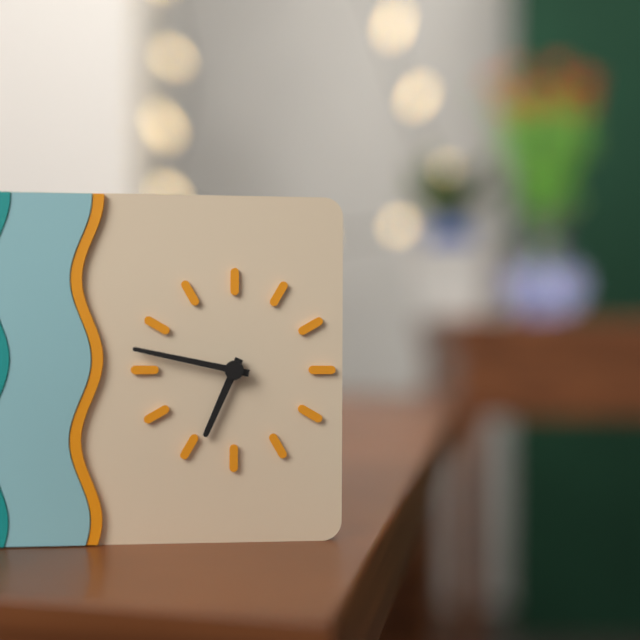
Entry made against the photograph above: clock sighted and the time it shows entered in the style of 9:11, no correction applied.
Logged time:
6:47
